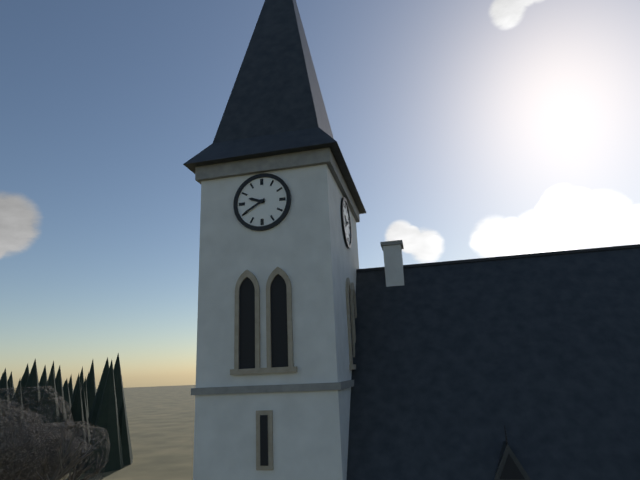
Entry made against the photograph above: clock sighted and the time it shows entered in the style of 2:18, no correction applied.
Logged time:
9:40
